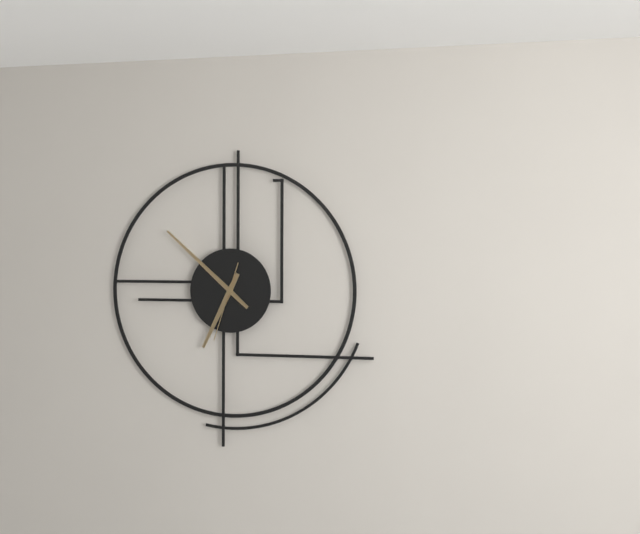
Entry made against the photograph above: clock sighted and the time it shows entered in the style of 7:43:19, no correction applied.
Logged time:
6:52:33
